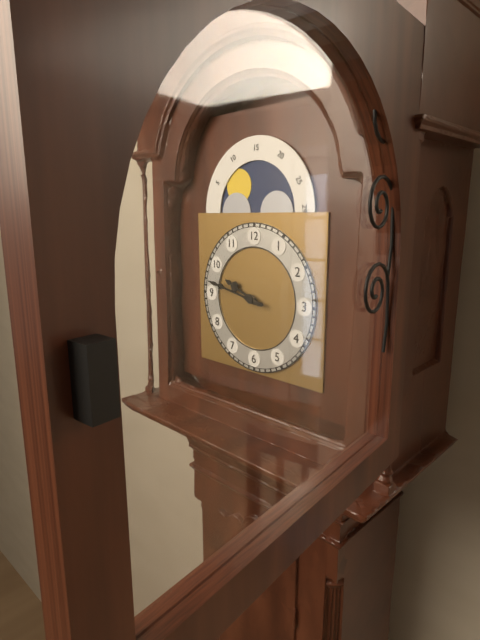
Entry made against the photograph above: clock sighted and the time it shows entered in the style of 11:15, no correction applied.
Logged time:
9:47
